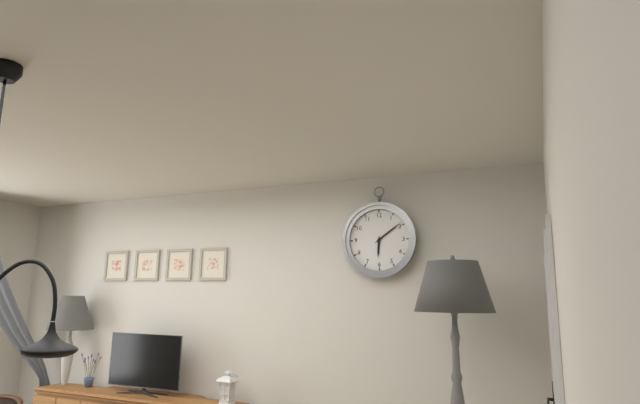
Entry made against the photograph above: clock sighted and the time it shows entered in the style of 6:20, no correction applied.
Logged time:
6:09
